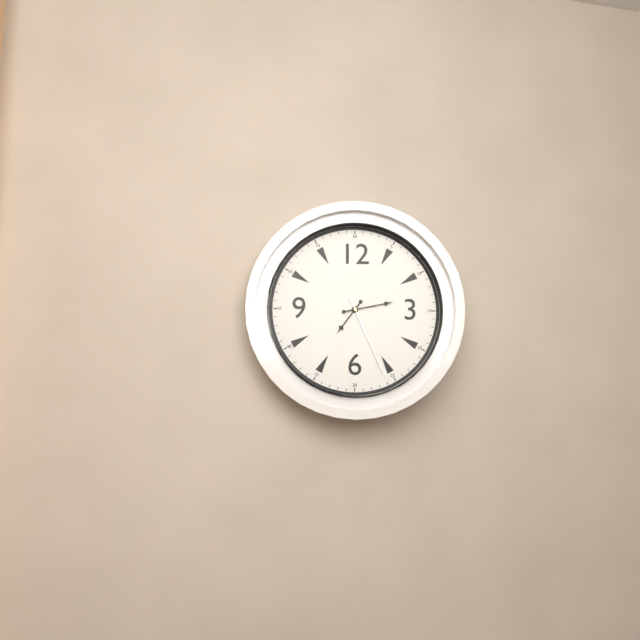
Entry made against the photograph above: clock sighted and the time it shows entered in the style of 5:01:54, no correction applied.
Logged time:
7:13:26
